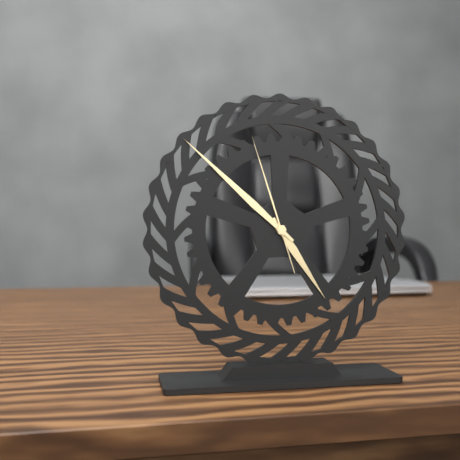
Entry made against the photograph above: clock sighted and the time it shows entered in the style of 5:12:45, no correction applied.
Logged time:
4:52:57
